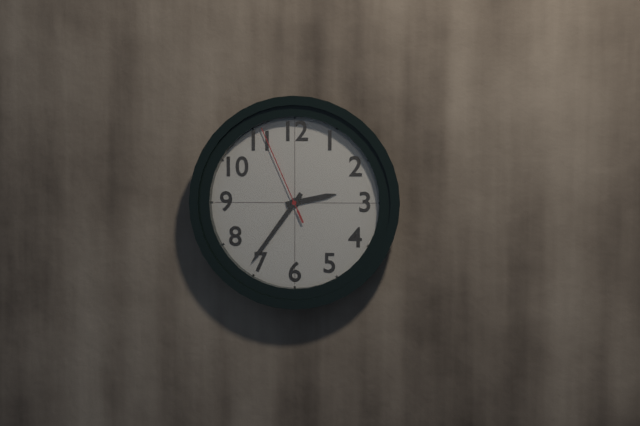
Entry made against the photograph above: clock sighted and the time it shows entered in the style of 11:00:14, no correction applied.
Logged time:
2:36:56
